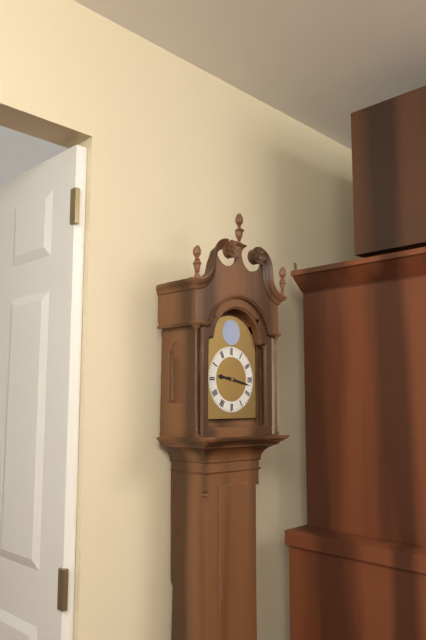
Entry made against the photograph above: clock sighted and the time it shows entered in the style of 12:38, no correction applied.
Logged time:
9:17
